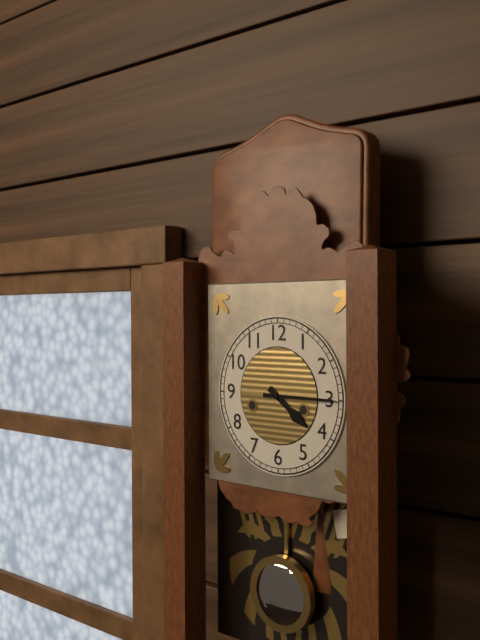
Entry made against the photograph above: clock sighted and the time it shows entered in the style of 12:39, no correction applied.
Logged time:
4:15
